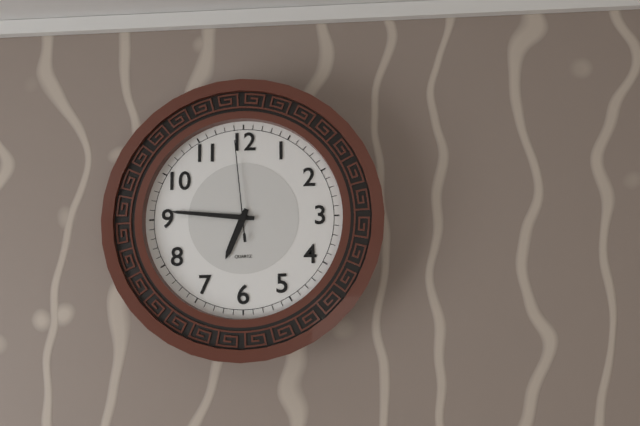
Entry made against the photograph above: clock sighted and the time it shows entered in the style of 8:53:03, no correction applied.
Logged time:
6:46:59
